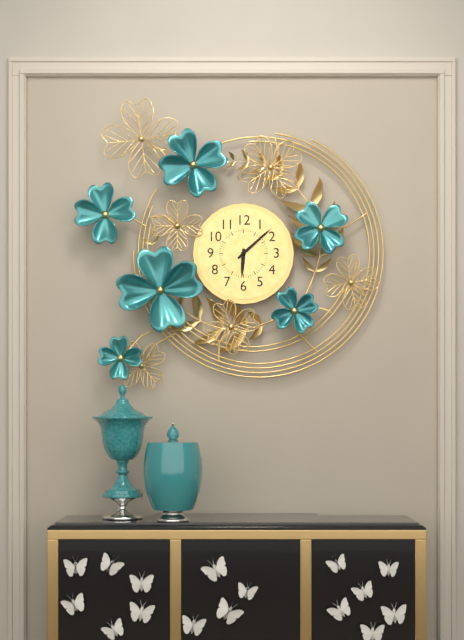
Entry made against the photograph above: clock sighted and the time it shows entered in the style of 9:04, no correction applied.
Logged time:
6:08
